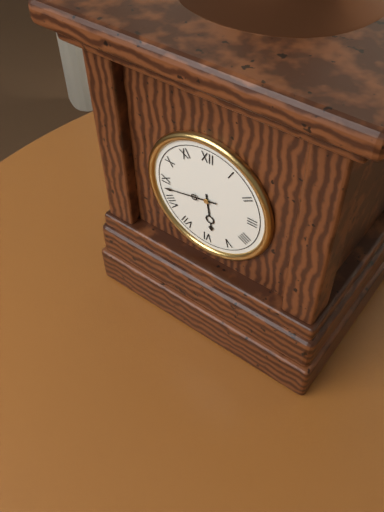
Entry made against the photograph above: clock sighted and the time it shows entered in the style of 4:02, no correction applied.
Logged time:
5:43
